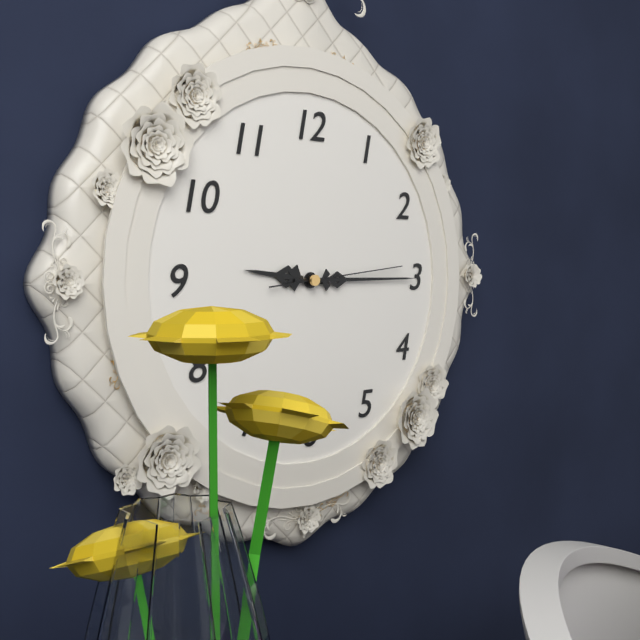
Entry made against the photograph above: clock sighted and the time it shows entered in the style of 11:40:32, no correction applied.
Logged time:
9:15:14
